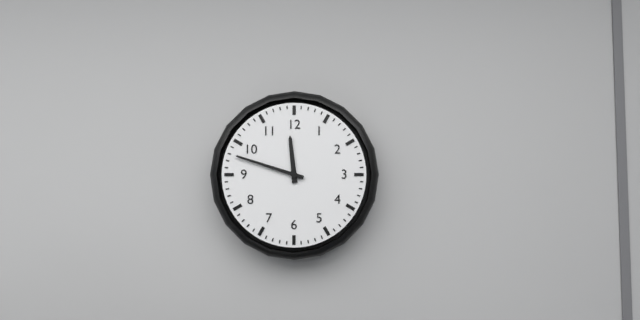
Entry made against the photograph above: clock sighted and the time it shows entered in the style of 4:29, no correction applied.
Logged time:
11:48
